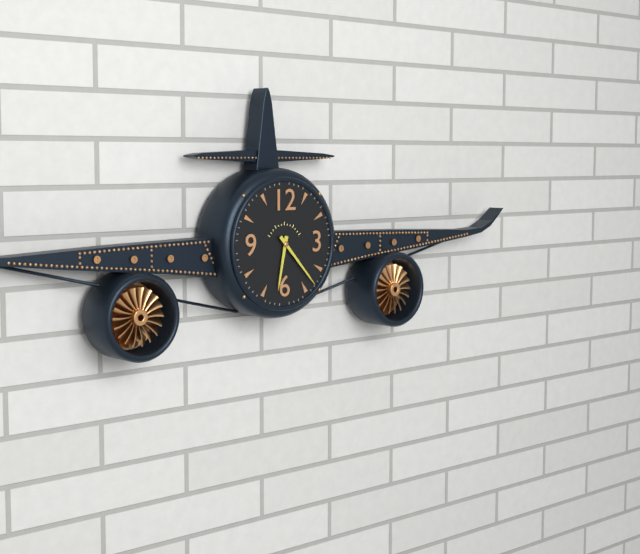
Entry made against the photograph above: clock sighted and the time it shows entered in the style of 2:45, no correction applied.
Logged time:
6:23
